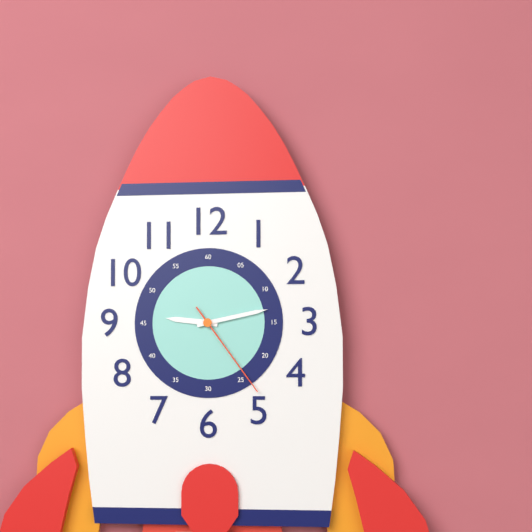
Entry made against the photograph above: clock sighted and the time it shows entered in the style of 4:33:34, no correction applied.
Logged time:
9:13:24
